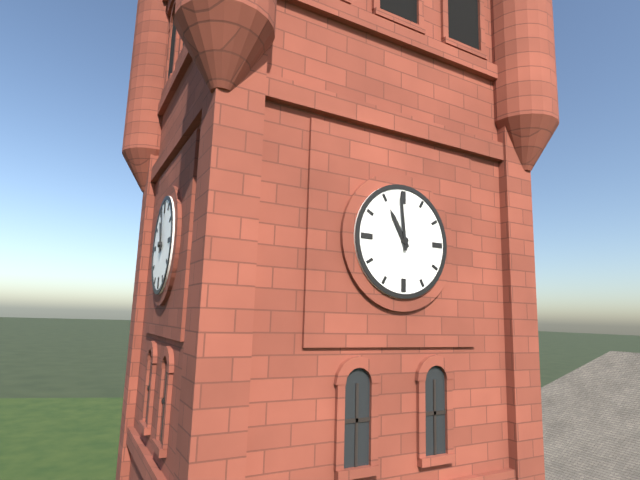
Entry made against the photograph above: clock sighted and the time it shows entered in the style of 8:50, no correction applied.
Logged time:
10:59
